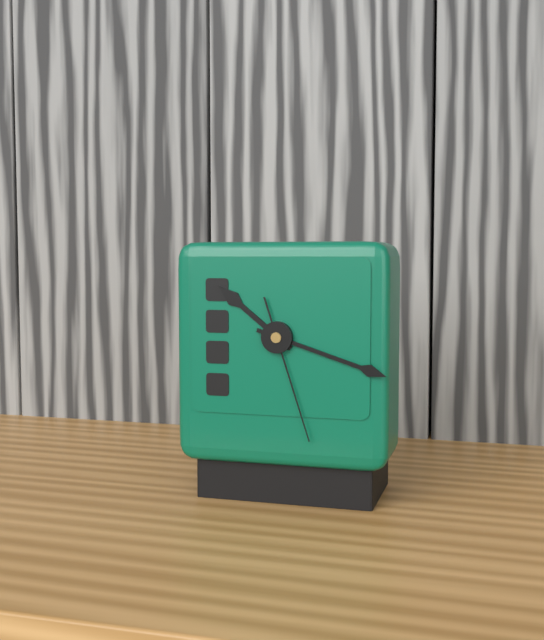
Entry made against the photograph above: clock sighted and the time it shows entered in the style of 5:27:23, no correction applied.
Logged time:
10:18:27
